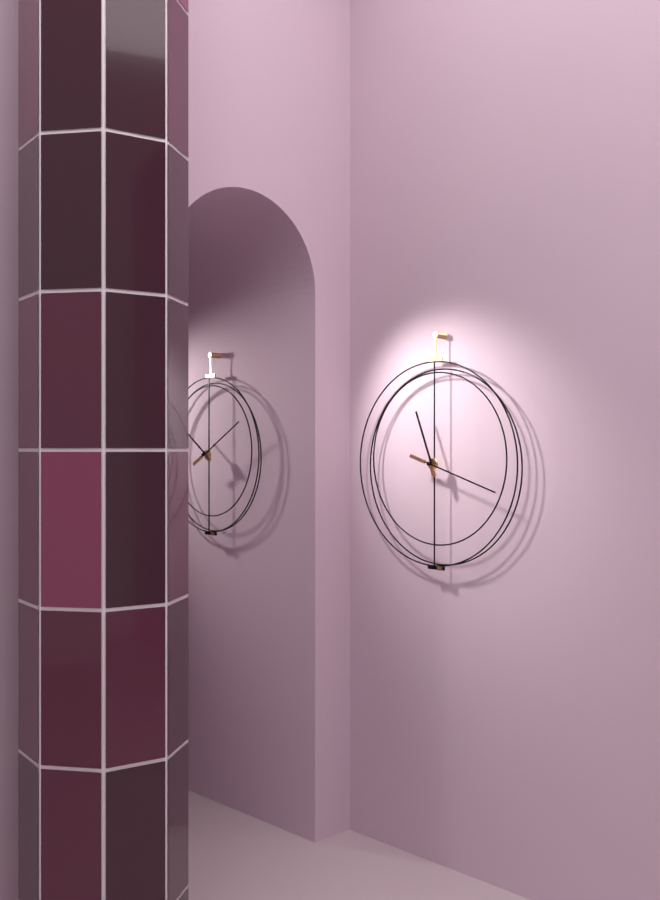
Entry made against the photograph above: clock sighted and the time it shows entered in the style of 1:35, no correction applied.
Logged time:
11:18
